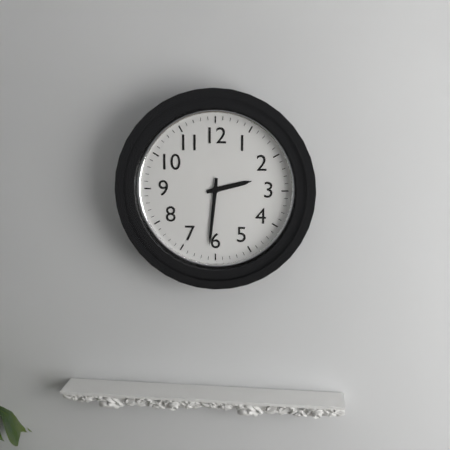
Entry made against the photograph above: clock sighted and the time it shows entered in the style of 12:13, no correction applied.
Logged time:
2:31
